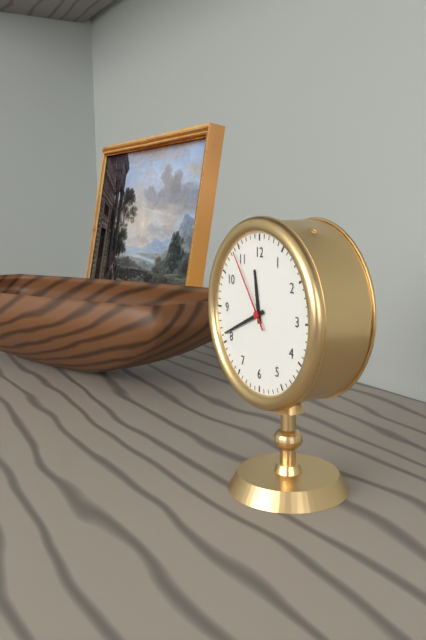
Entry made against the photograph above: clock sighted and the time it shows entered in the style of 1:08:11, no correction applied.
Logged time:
11:41:54
